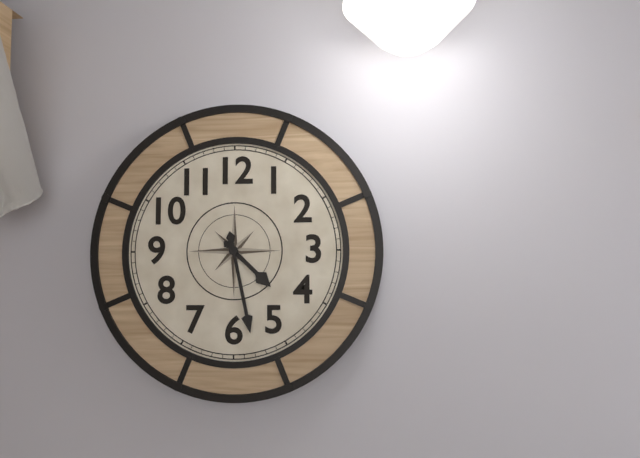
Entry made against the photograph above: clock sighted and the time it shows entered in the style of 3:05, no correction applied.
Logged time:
4:28
